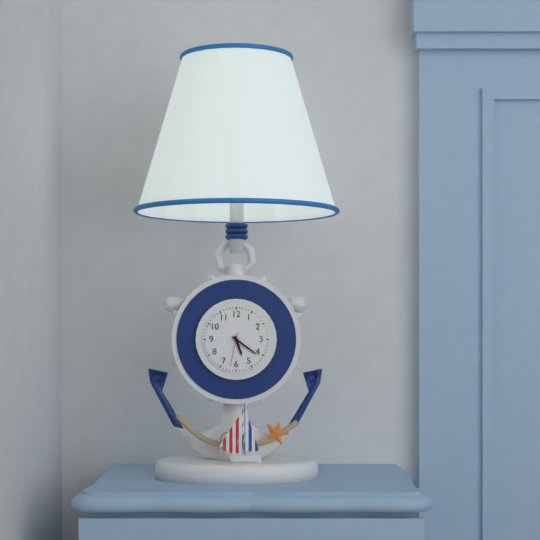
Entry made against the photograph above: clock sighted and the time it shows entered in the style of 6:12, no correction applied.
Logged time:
5:21
